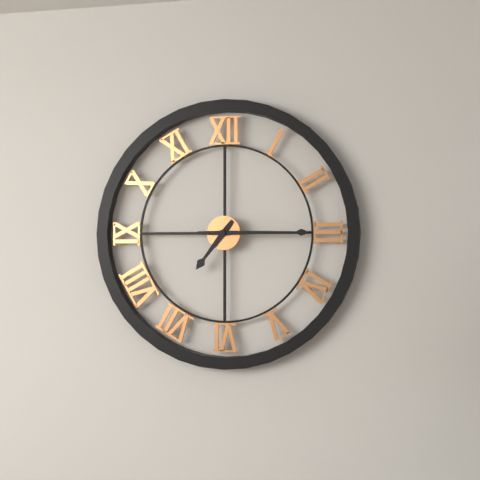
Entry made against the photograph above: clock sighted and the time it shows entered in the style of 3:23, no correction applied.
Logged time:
7:15
